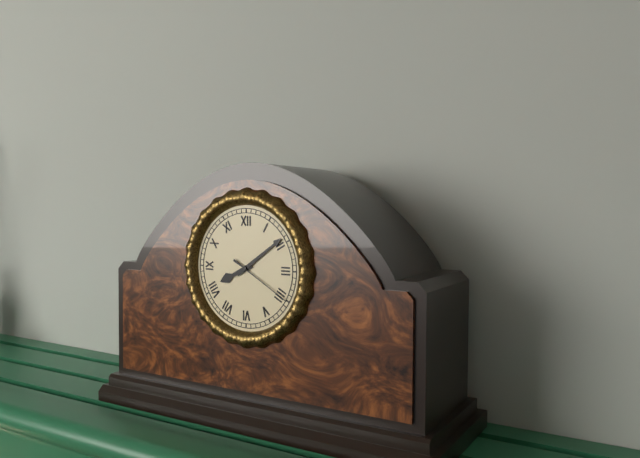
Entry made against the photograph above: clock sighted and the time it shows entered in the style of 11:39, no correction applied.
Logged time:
8:09
